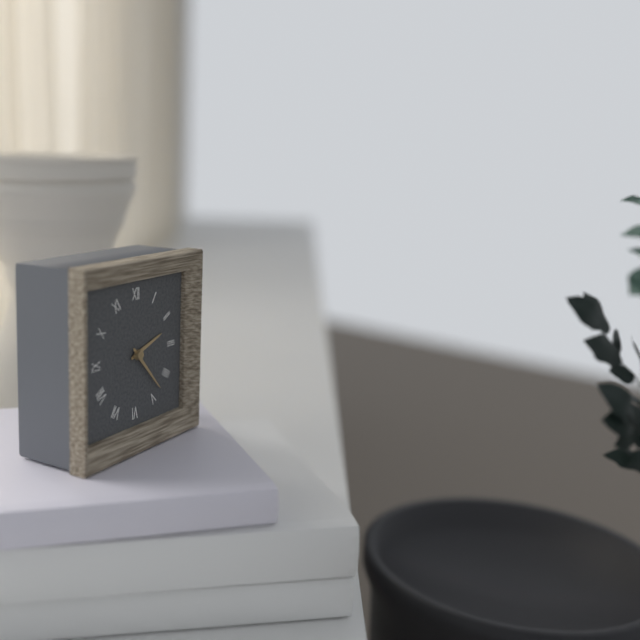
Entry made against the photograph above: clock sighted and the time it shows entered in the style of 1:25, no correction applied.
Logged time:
2:23
